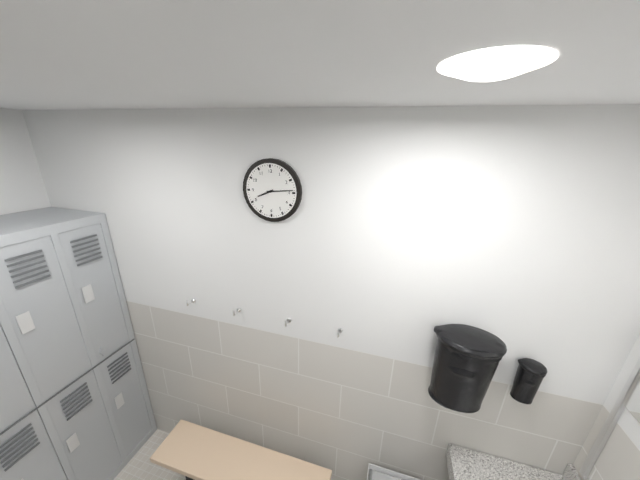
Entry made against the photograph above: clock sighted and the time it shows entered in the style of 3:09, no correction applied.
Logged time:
8:14
